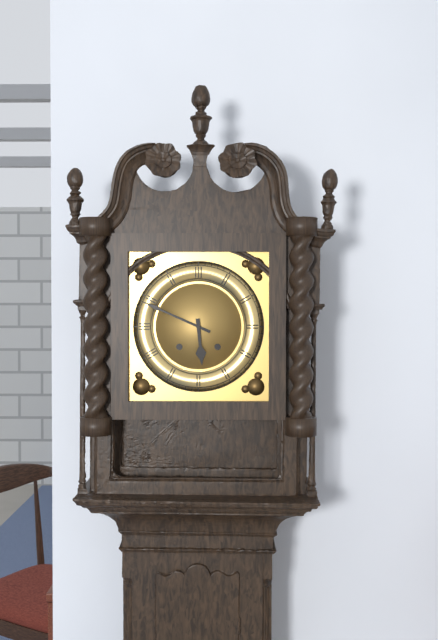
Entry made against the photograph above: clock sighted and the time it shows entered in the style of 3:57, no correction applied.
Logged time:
5:49
